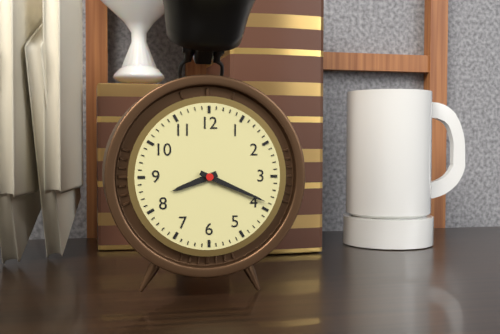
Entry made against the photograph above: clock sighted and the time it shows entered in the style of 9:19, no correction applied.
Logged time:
8:19
